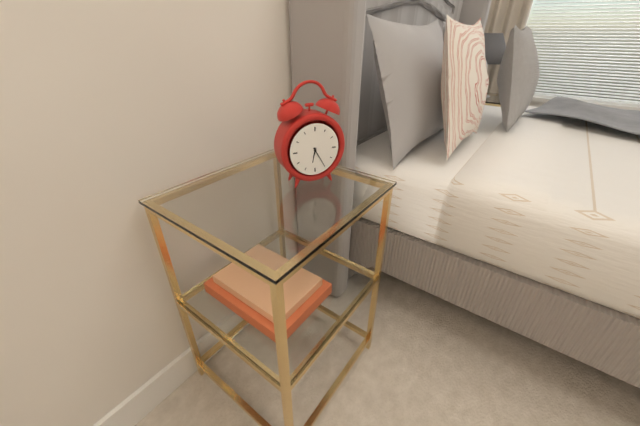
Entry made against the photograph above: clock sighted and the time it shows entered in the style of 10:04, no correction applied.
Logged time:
6:25
